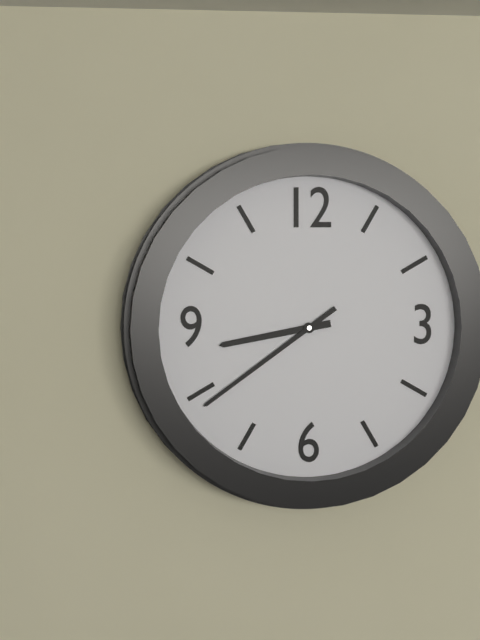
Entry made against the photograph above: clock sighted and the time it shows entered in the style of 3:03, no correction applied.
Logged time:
8:39
